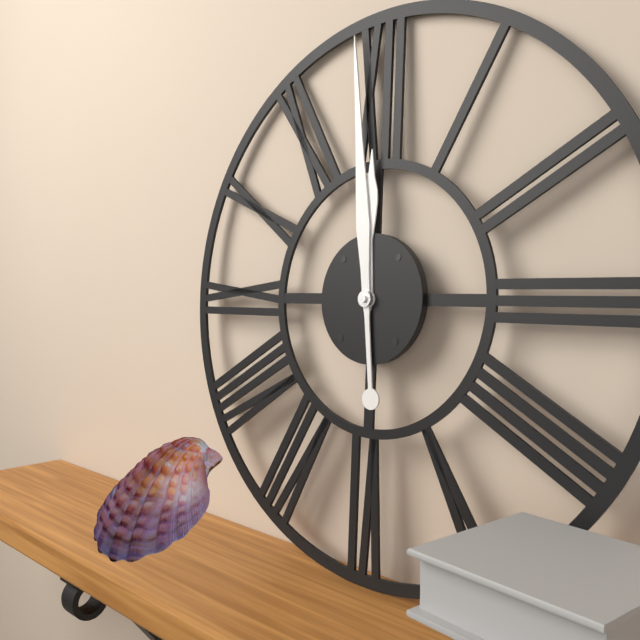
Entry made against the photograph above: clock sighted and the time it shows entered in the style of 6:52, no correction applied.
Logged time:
11:59
